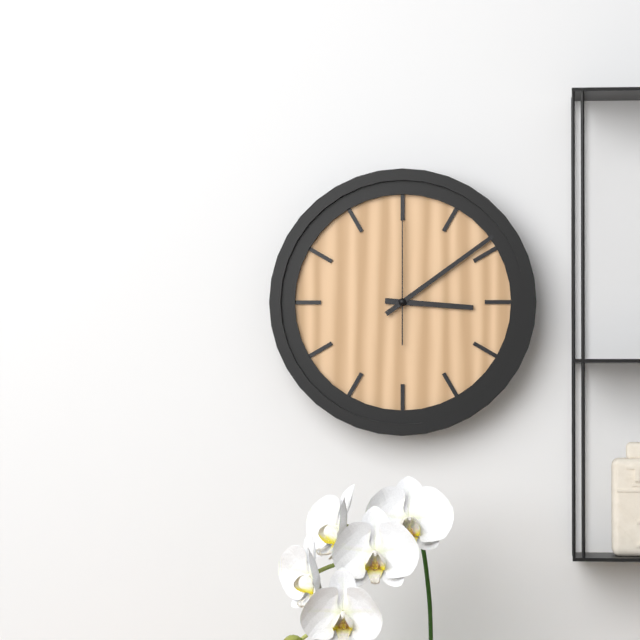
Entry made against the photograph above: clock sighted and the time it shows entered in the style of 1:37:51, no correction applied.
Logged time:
3:09:00
